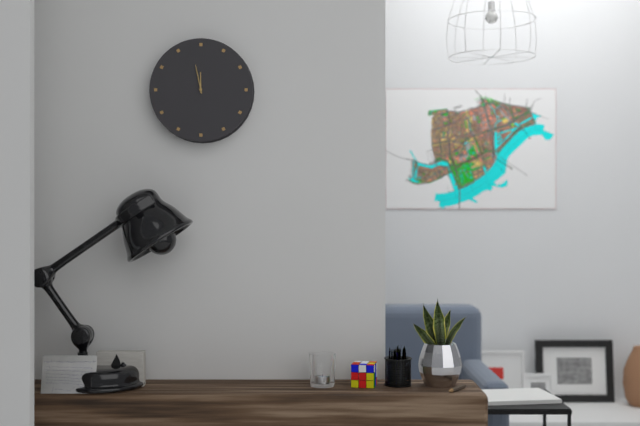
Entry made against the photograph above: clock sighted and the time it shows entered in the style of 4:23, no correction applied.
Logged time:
11:58
